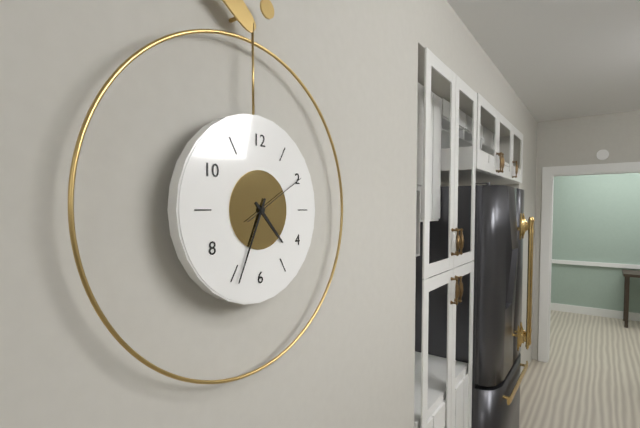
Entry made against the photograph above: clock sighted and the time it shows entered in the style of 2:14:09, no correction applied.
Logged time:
4:34:10
